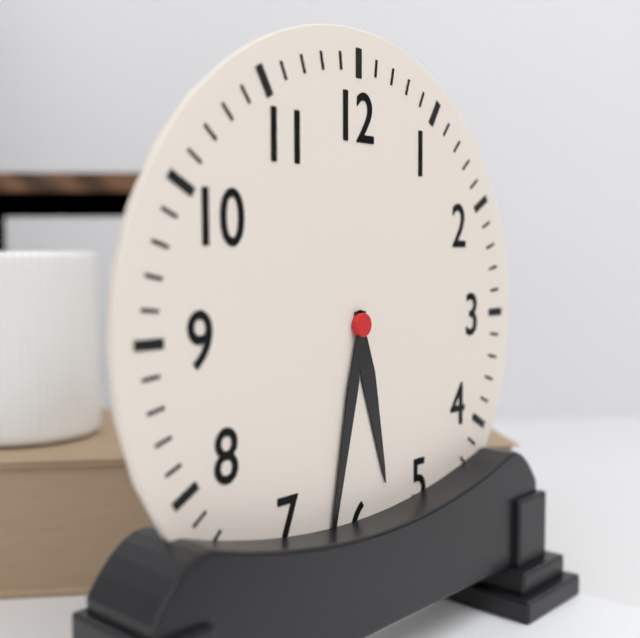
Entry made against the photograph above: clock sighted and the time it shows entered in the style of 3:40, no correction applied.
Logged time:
5:32
